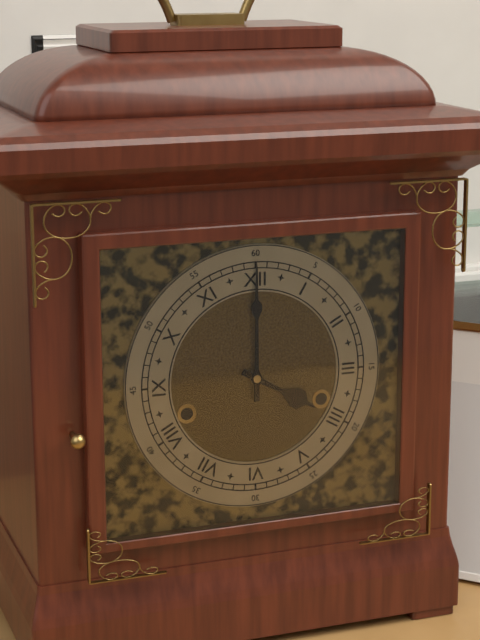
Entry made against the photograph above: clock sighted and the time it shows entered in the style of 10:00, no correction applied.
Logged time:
4:00
